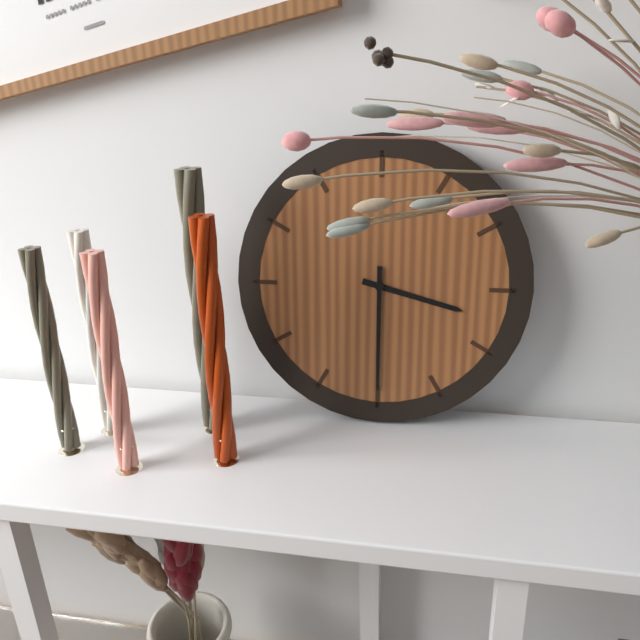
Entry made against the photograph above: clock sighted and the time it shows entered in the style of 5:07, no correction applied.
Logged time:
3:30
